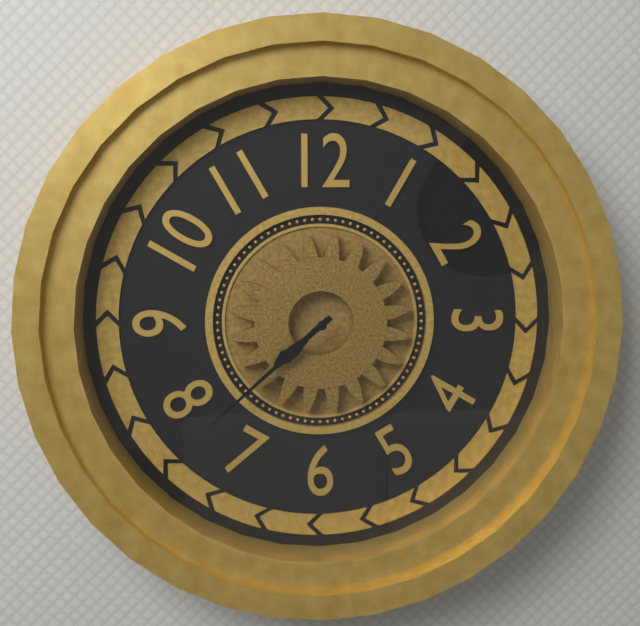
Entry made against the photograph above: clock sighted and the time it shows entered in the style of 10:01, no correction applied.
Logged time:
7:38
